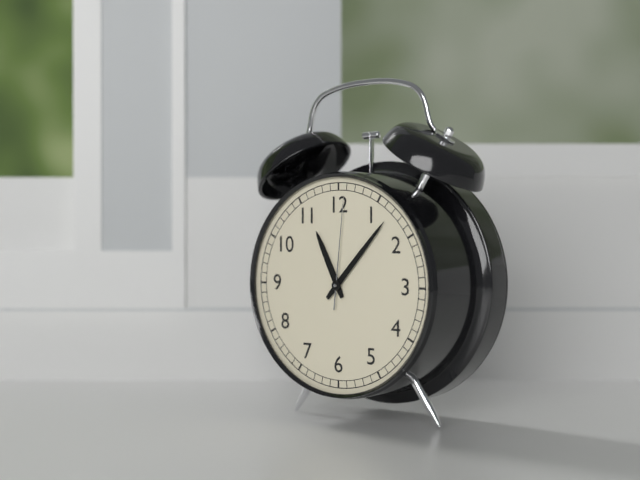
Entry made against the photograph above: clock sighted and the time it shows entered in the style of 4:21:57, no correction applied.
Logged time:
11:07:01
